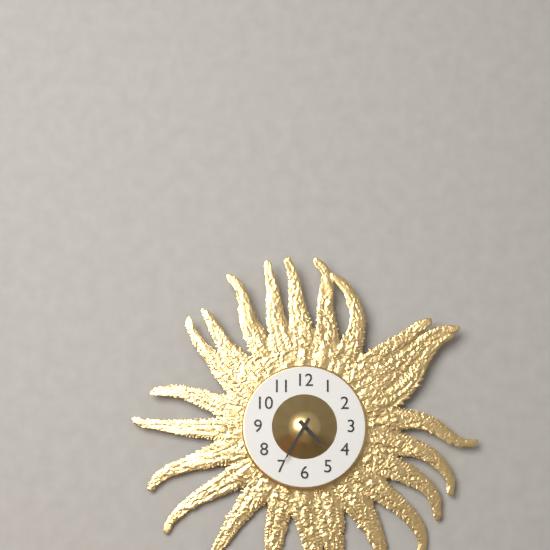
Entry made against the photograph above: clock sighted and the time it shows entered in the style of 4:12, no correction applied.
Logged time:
4:35
